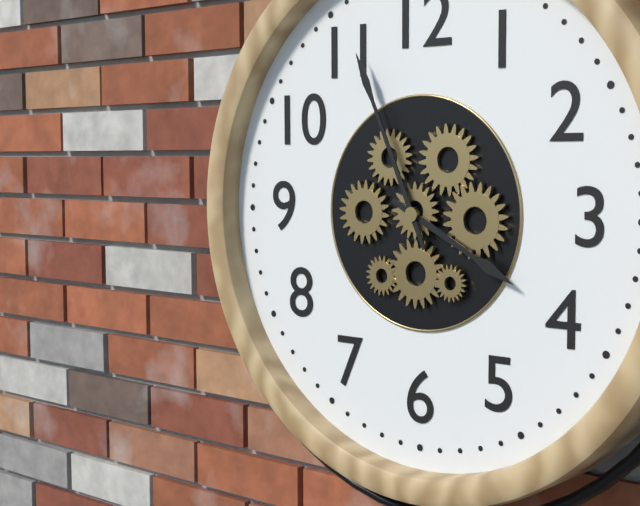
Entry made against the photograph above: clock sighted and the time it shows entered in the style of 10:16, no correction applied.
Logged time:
3:56
